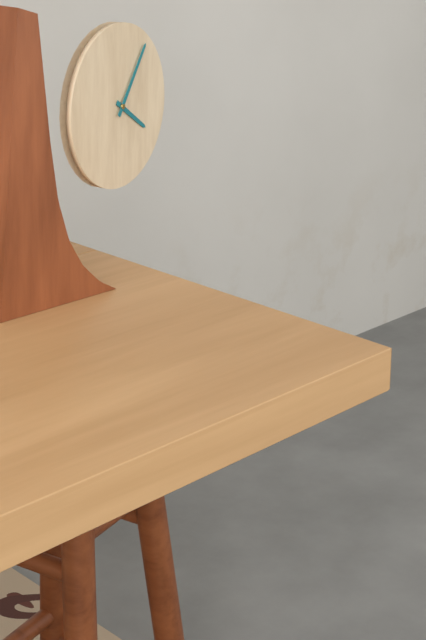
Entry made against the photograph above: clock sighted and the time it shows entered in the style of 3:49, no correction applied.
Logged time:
4:06
